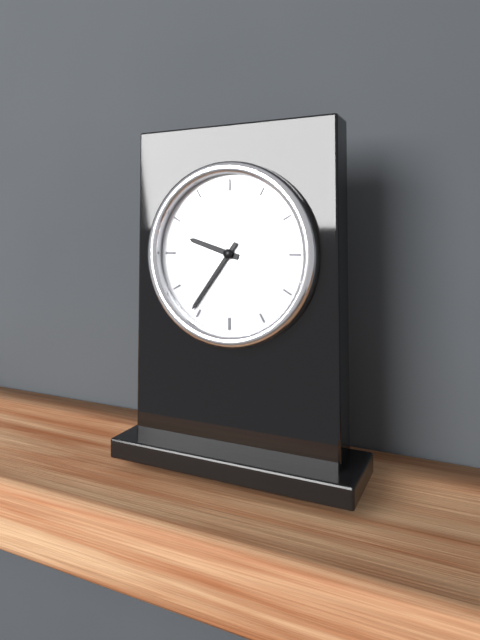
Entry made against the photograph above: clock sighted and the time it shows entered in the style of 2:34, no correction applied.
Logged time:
9:36
